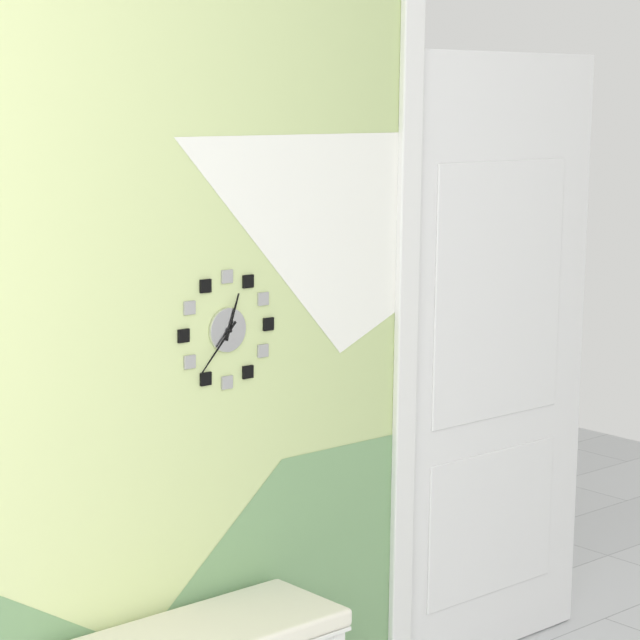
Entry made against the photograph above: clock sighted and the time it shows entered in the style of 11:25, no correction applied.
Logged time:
12:37
